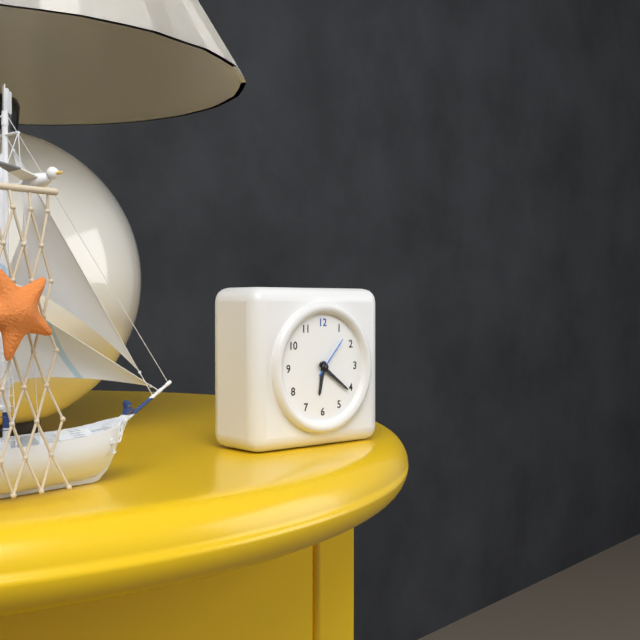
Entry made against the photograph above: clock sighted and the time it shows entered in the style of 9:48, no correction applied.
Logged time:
6:21
